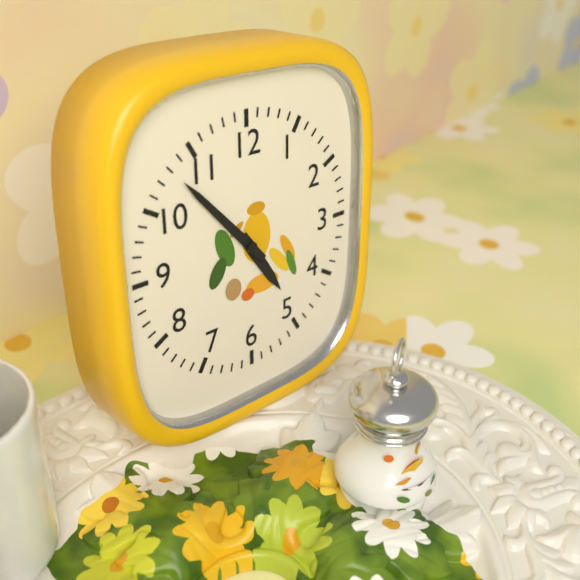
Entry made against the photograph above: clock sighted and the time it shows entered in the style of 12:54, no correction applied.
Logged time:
4:53
